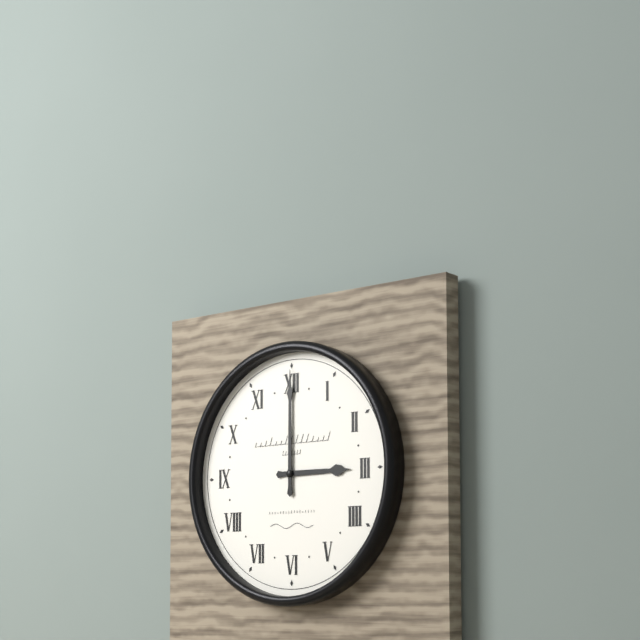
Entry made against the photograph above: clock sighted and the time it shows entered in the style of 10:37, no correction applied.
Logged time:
3:00
